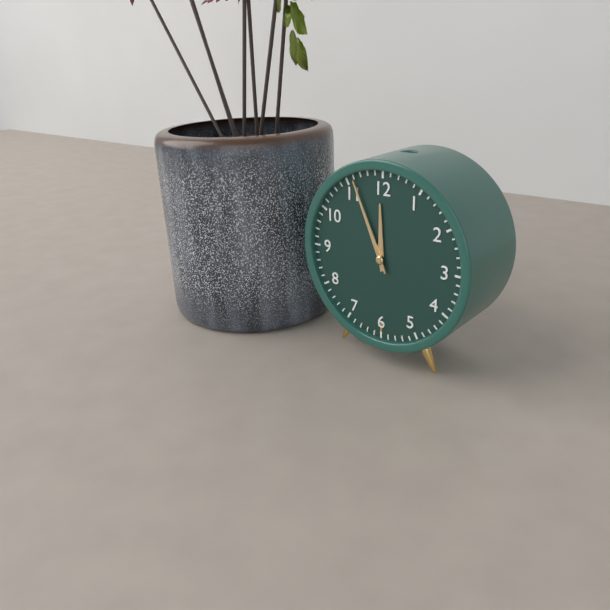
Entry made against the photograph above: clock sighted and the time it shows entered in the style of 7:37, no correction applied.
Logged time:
11:56
